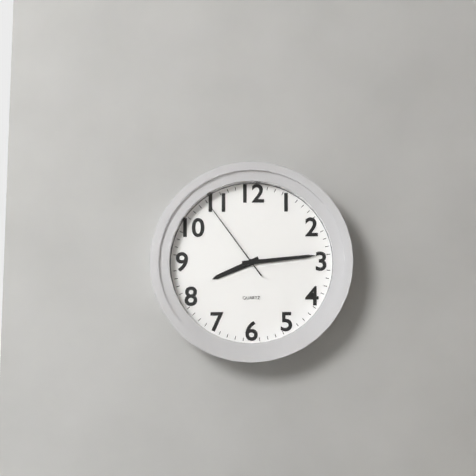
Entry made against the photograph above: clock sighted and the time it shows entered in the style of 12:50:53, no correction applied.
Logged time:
8:14:54
